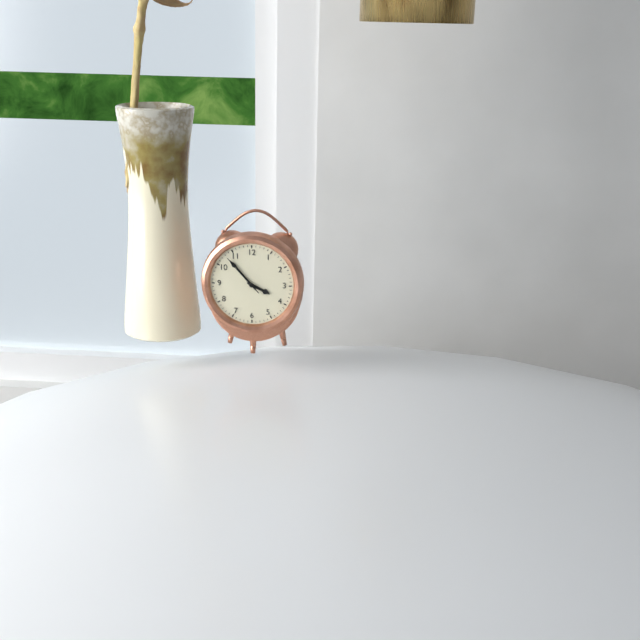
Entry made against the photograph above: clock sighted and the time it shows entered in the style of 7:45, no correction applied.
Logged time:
3:53
